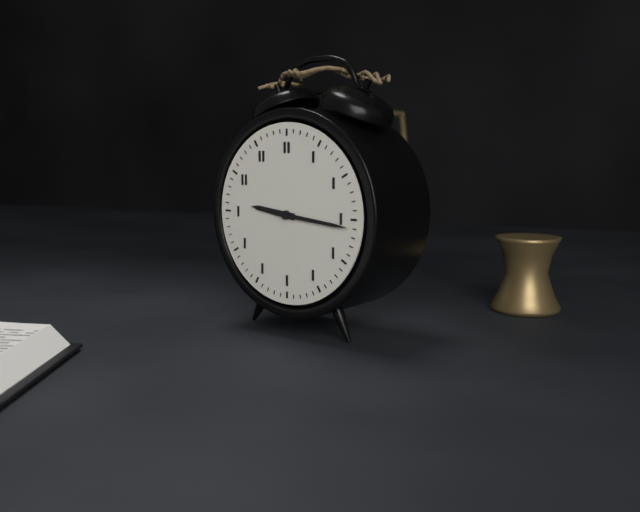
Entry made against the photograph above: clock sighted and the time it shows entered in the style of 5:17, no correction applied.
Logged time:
9:16
